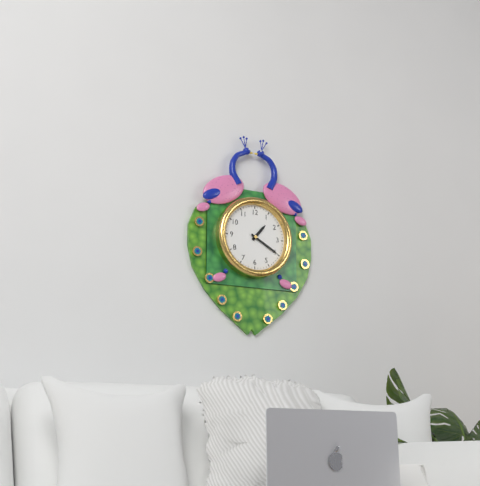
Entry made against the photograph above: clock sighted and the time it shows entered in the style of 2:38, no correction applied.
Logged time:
1:20
